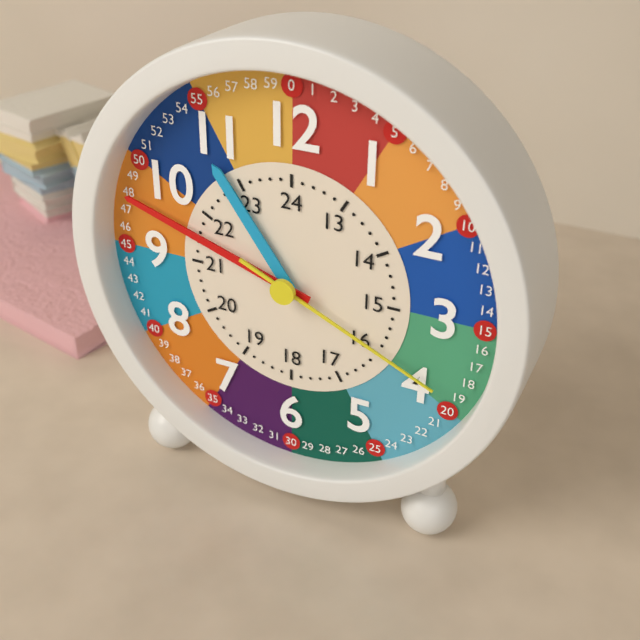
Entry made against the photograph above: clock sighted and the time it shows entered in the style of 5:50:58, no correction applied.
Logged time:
10:48:19
